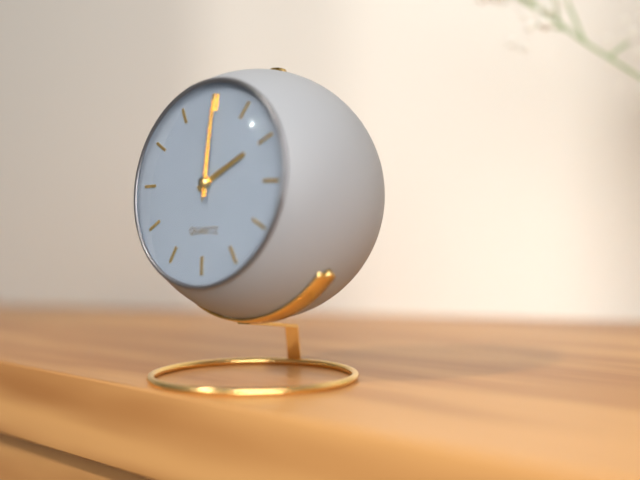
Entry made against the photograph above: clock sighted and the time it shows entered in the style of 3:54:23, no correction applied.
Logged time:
2:00:00
